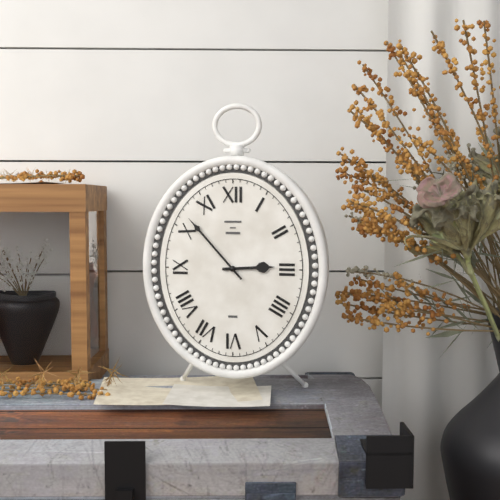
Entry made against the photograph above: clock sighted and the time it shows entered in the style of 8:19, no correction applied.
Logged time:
2:53
